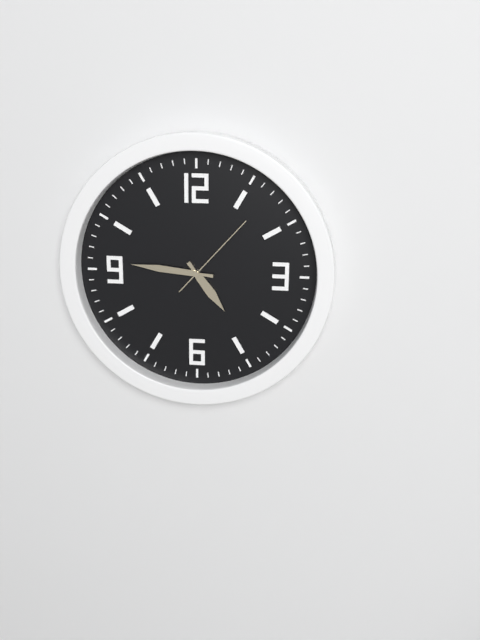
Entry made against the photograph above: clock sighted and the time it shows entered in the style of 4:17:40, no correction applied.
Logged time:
4:46:07
